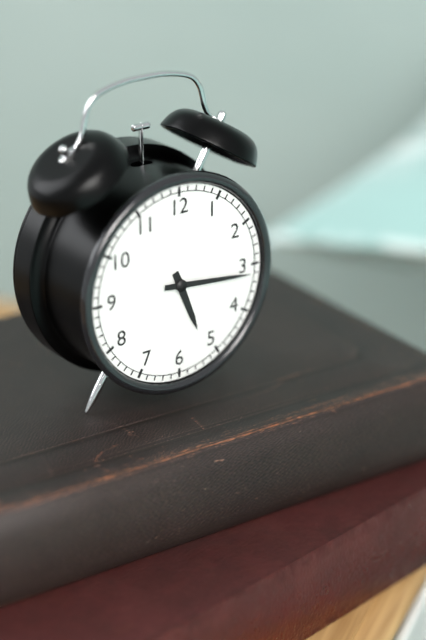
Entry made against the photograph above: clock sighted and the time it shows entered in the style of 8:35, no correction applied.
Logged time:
5:16
